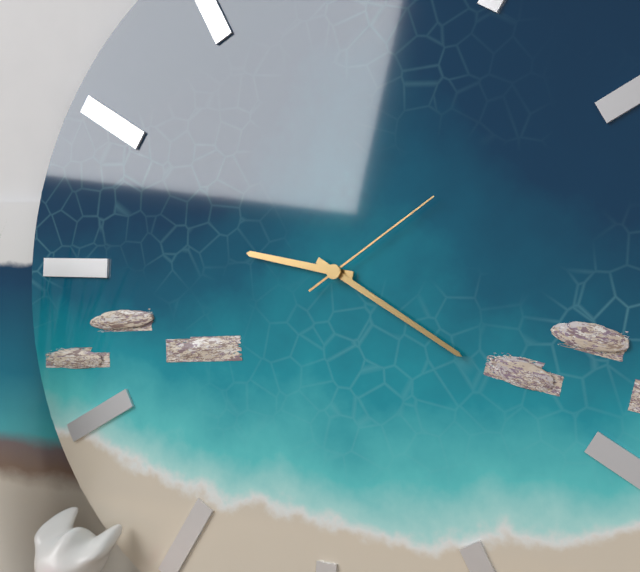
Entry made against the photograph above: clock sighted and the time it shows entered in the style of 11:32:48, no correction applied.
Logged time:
9:20:09
